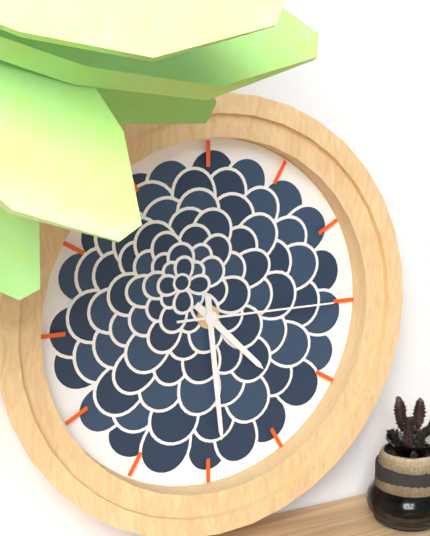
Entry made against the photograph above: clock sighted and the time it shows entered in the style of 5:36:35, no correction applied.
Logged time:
4:29:15
